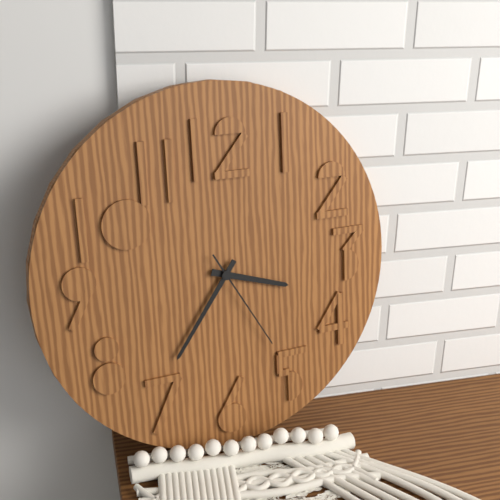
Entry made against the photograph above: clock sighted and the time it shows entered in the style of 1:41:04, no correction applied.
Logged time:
3:36:25
